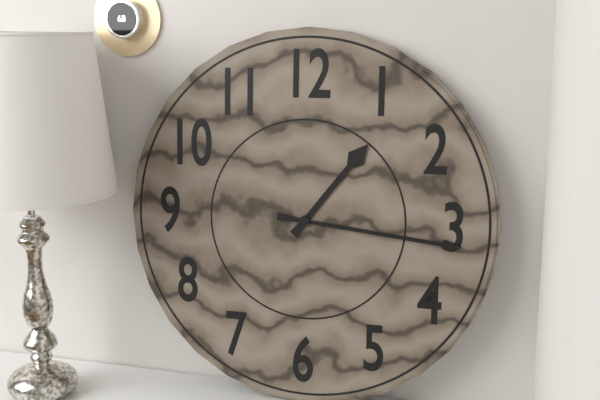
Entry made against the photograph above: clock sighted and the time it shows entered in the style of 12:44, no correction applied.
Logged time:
1:16
